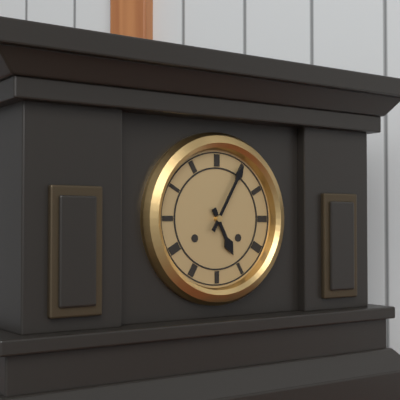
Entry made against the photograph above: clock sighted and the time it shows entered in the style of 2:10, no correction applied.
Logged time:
5:05
